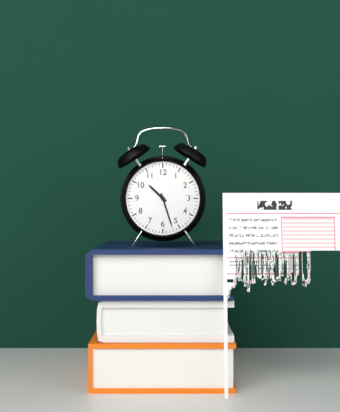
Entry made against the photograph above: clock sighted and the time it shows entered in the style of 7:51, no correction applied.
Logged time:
10:27
